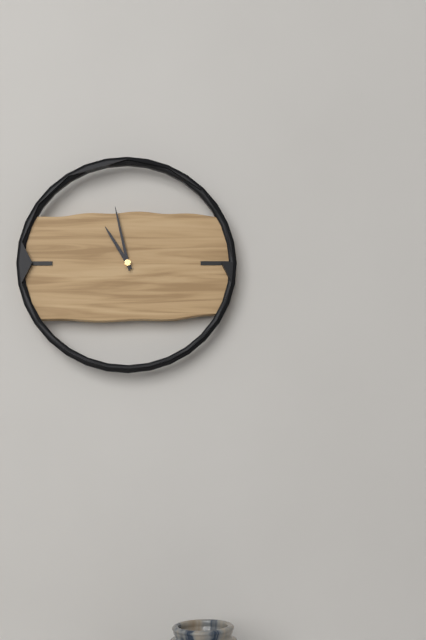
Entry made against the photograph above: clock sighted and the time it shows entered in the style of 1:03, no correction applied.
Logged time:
10:58
